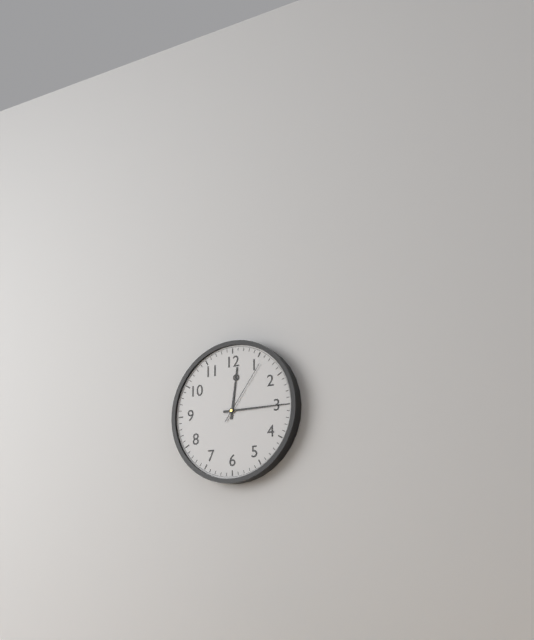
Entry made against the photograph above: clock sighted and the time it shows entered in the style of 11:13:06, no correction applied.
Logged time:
12:15:06
